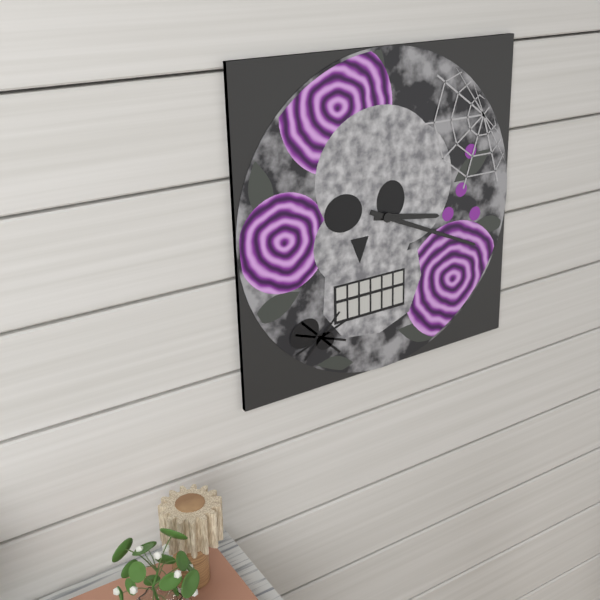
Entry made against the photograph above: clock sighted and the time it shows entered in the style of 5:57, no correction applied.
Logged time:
3:19
